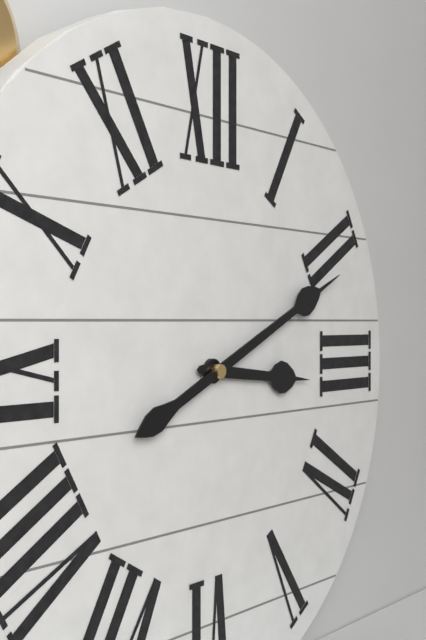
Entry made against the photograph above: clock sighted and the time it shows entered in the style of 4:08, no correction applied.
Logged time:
3:11
